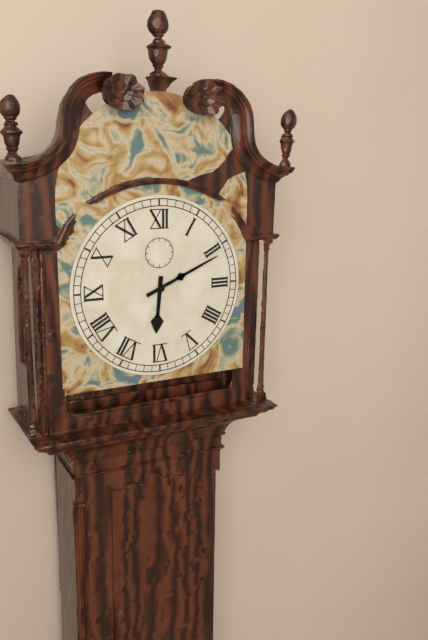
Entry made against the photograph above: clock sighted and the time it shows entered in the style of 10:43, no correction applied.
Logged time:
6:11
